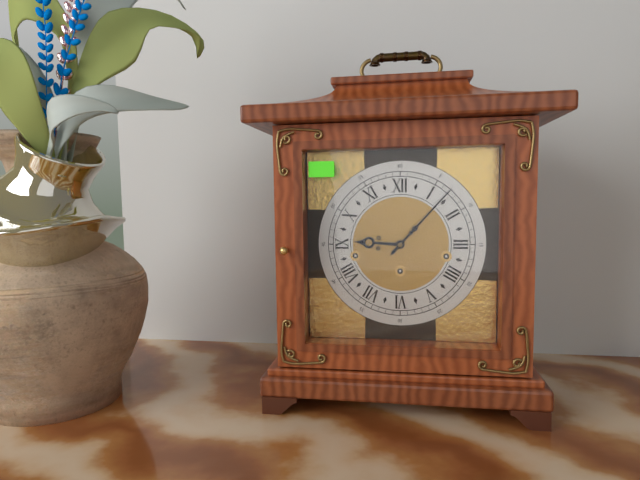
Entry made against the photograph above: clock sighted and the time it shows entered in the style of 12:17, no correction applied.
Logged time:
9:07
